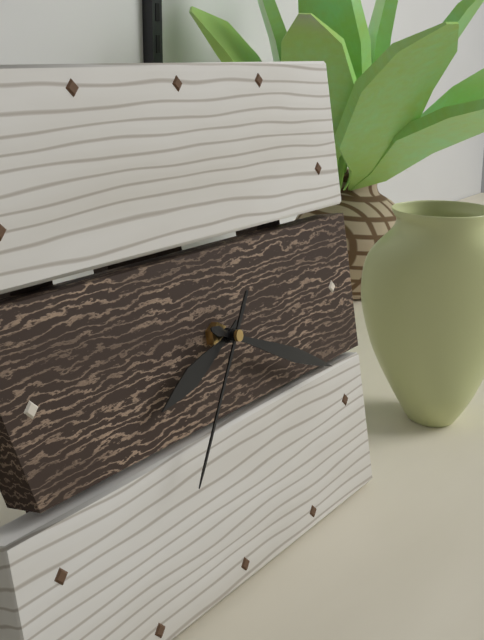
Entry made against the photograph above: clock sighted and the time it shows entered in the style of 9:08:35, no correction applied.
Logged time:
8:19:36
